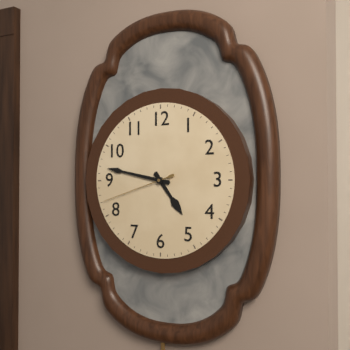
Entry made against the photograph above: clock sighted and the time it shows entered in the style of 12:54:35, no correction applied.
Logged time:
4:47:42
